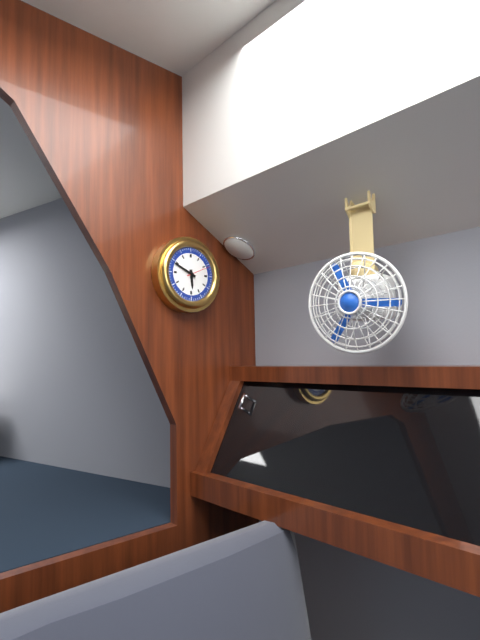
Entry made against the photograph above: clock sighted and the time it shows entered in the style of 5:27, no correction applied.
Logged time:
5:49
